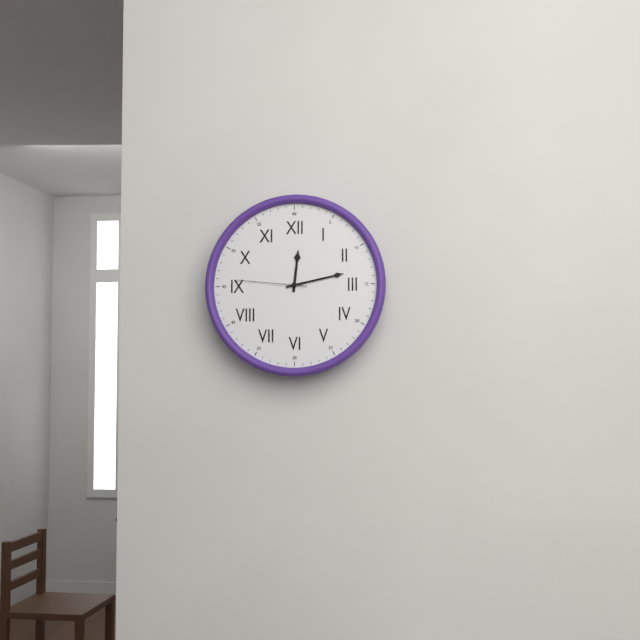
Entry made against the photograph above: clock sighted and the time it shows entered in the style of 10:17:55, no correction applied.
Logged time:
12:13:46
